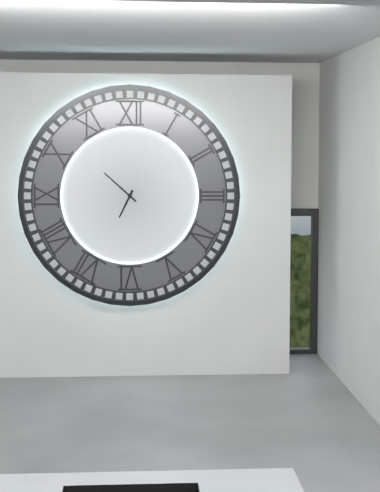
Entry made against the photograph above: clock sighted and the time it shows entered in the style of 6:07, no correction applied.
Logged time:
6:52
